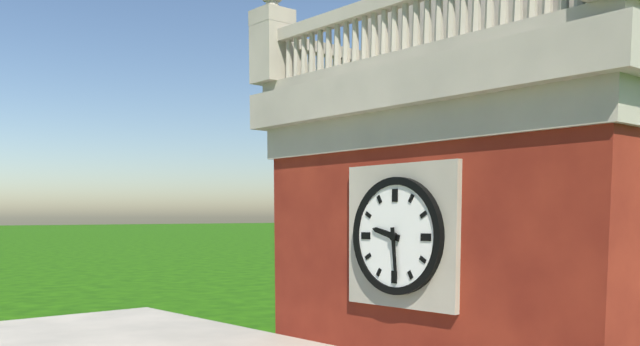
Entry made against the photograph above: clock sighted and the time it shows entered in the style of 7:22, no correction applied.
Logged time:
9:29
